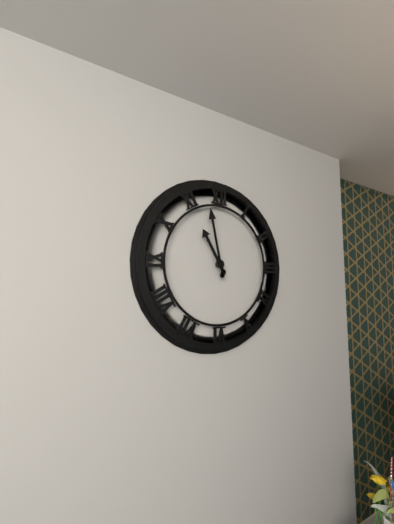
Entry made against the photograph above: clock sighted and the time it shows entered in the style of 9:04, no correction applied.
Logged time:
10:58
